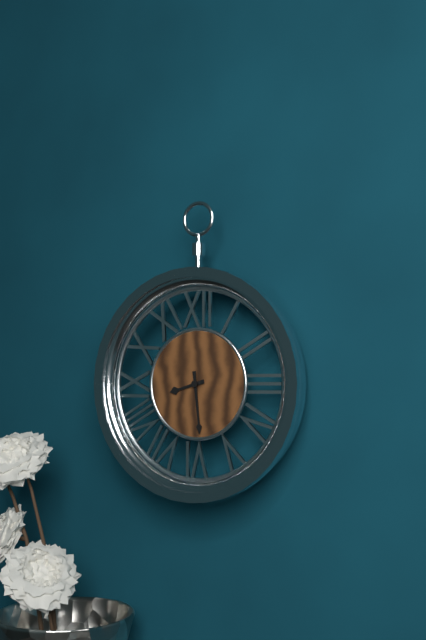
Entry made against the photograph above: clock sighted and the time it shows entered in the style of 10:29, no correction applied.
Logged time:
8:29
